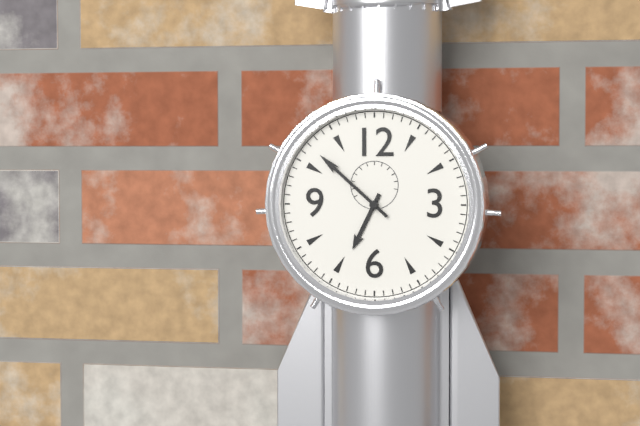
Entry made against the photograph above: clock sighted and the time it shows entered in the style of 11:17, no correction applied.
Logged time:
6:52
